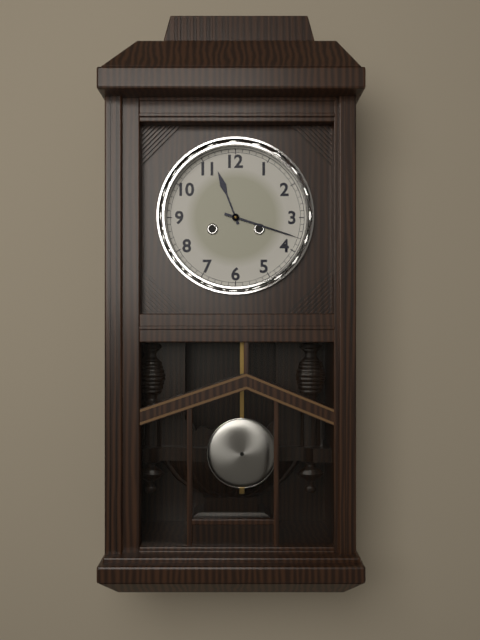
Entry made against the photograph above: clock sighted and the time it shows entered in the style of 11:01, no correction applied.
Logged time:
11:18
